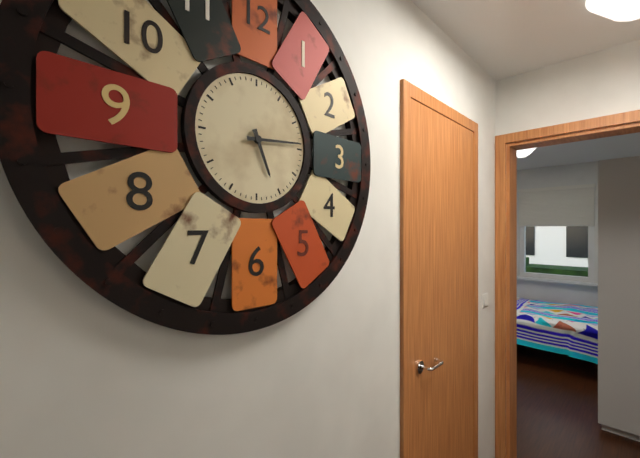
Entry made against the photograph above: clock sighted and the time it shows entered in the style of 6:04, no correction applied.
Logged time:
5:14
